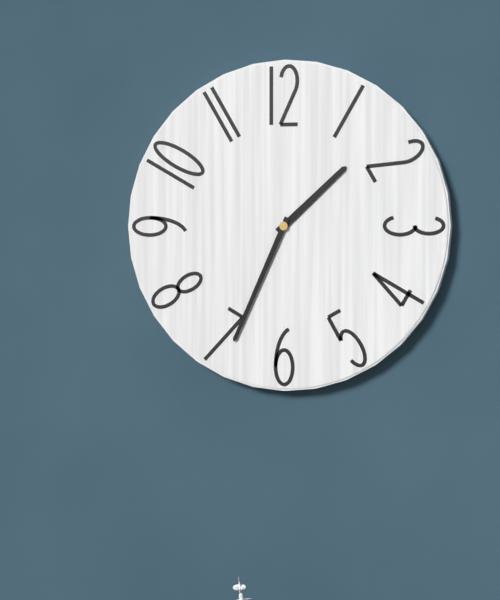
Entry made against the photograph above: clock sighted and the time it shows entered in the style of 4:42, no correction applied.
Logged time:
1:34
